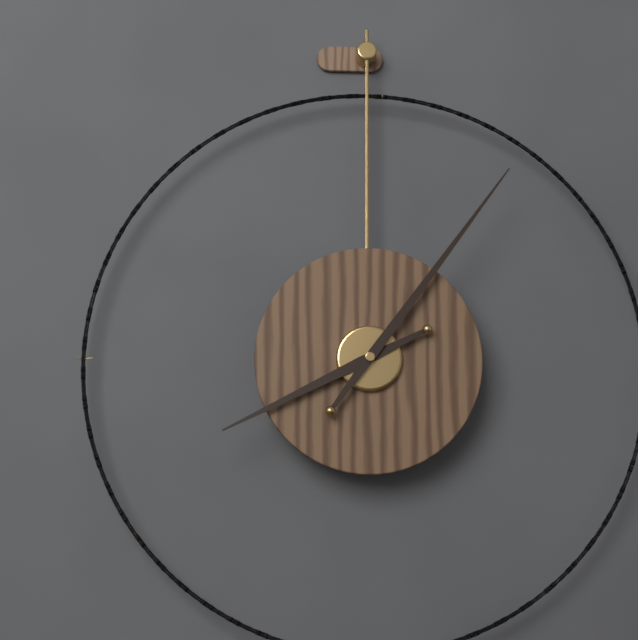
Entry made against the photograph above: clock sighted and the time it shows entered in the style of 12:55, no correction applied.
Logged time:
8:06
